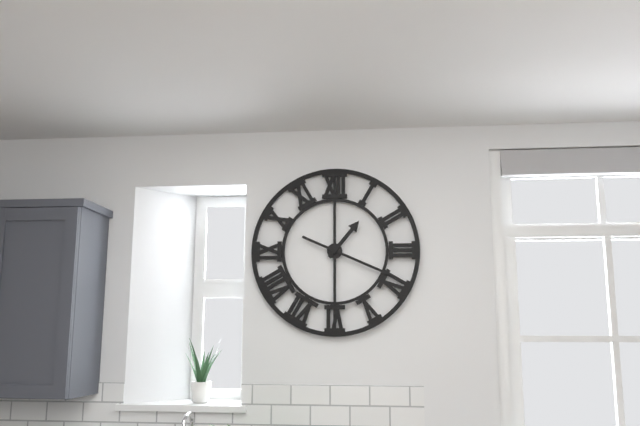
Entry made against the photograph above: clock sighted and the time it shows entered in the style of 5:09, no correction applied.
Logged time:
1:19
